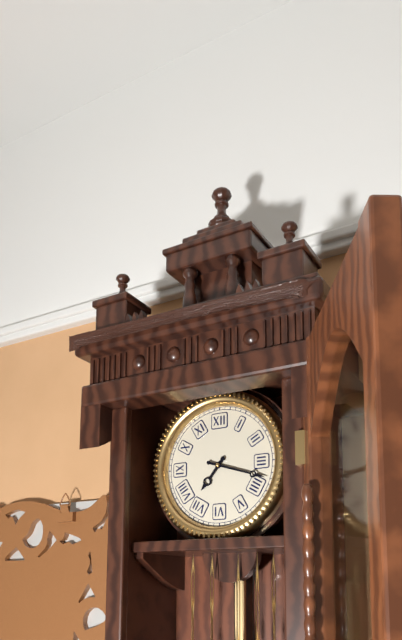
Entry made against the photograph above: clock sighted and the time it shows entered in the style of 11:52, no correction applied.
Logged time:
7:18
